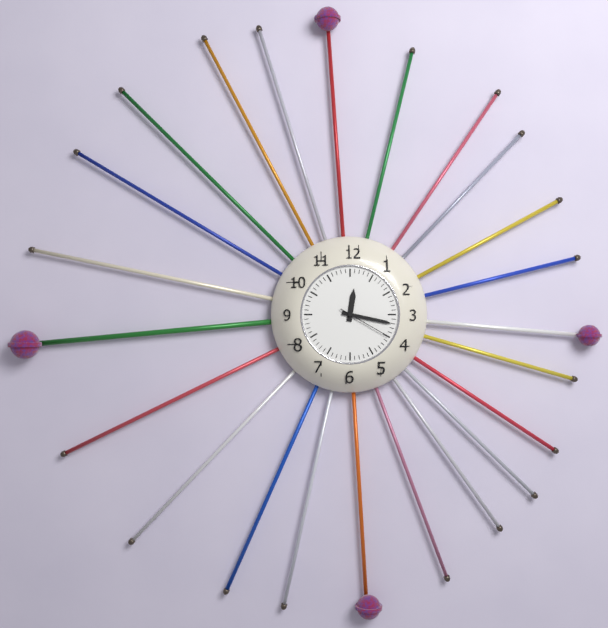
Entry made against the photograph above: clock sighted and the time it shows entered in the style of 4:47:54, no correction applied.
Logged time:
12:17:20
